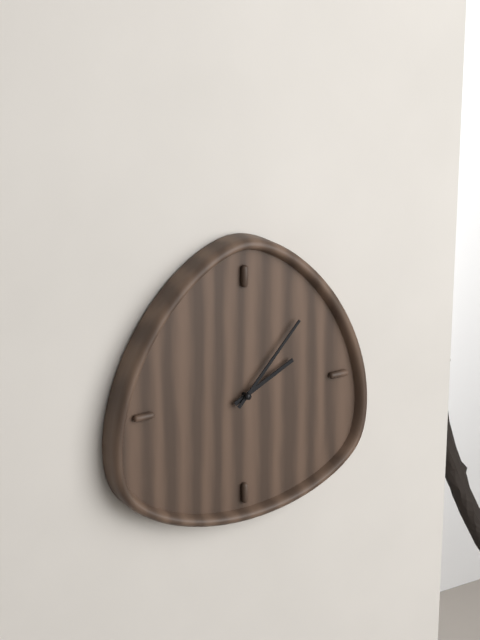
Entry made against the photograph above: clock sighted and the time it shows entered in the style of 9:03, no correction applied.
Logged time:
2:07
